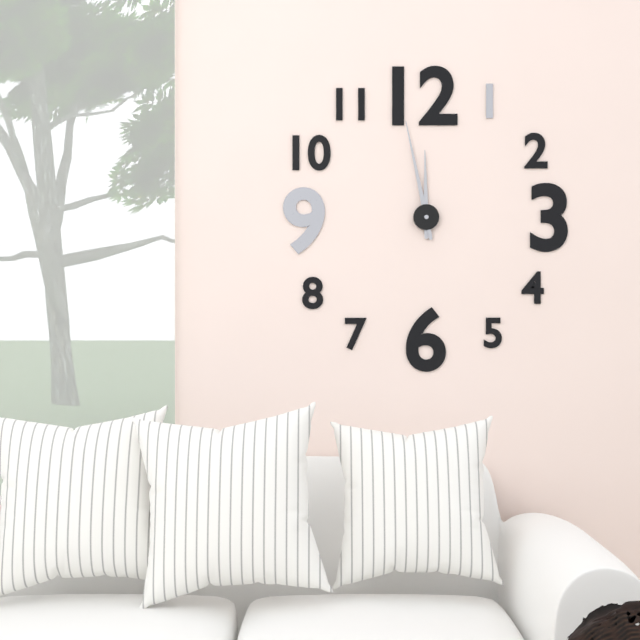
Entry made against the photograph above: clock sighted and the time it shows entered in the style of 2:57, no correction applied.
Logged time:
11:58
